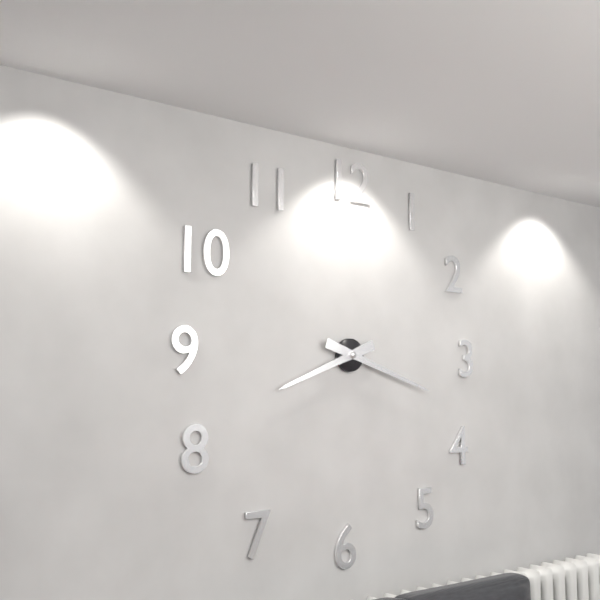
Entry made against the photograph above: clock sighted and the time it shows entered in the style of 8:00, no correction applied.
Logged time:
8:18
